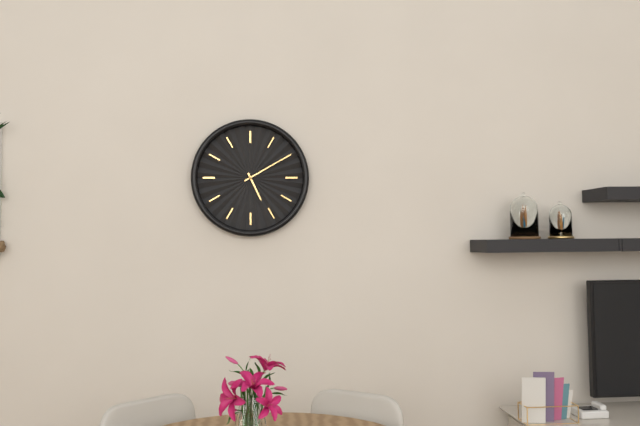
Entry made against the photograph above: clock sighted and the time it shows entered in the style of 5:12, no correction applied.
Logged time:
5:10
